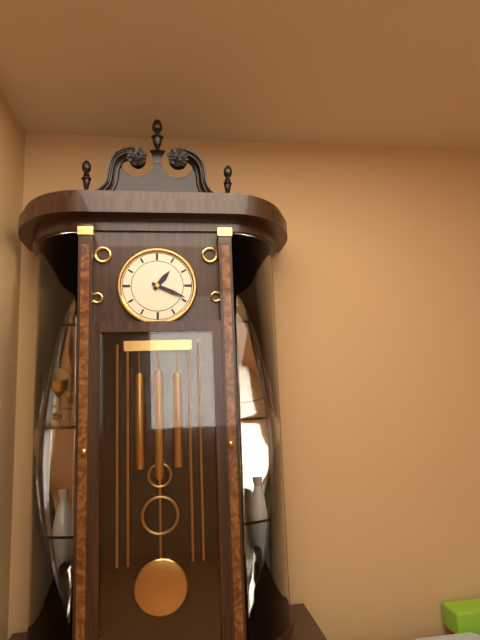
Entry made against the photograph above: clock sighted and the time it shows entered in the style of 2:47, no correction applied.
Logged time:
1:19
